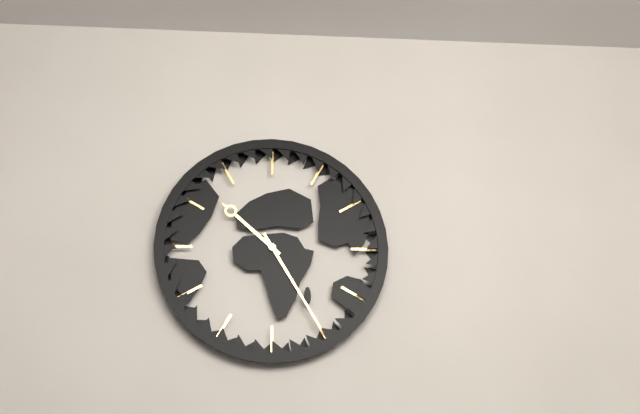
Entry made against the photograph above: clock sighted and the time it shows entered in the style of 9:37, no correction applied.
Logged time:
10:25
